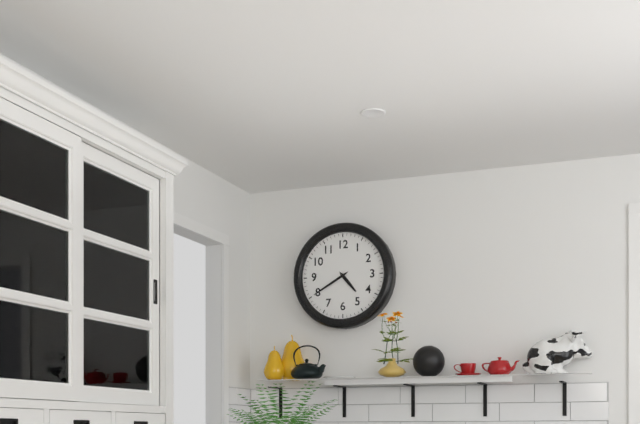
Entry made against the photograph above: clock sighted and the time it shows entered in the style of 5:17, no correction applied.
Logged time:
4:40
